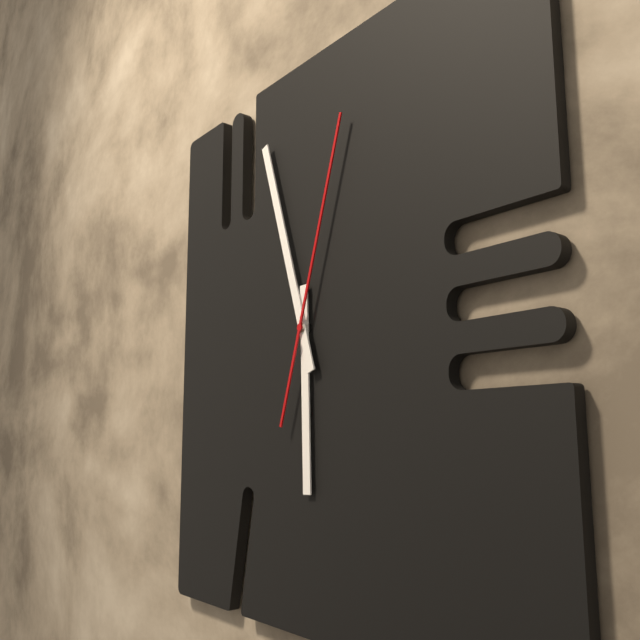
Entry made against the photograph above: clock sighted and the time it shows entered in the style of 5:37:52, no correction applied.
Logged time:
5:57:03
